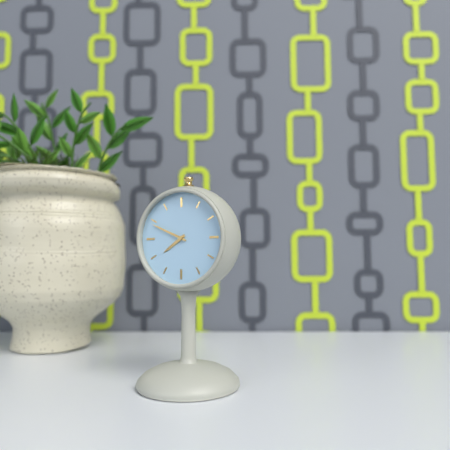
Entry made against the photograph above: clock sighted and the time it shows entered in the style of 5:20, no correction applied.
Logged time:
7:49
